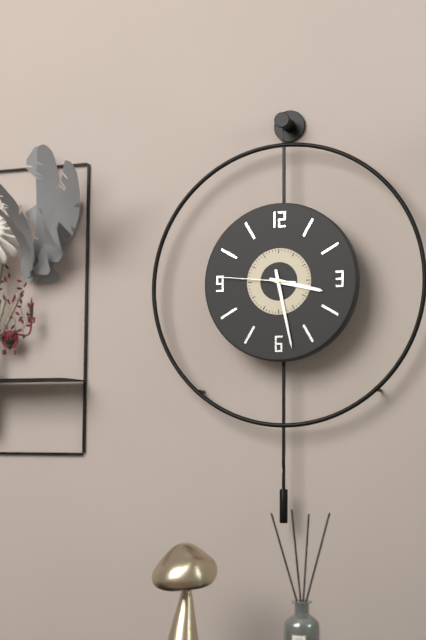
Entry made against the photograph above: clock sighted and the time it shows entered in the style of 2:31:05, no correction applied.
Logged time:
3:28:46
